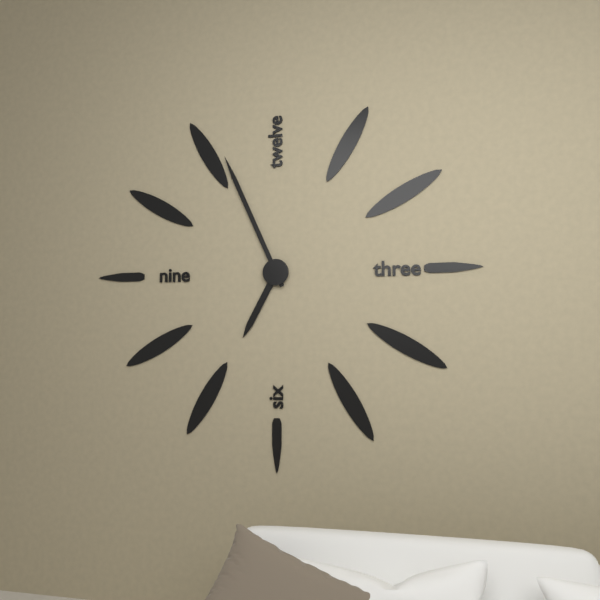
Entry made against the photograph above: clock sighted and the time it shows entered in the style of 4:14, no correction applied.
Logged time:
6:56
